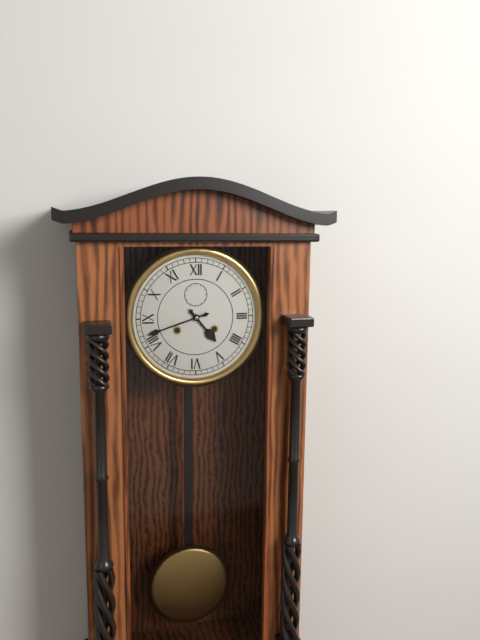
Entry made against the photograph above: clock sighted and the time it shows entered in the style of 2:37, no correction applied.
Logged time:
4:42
